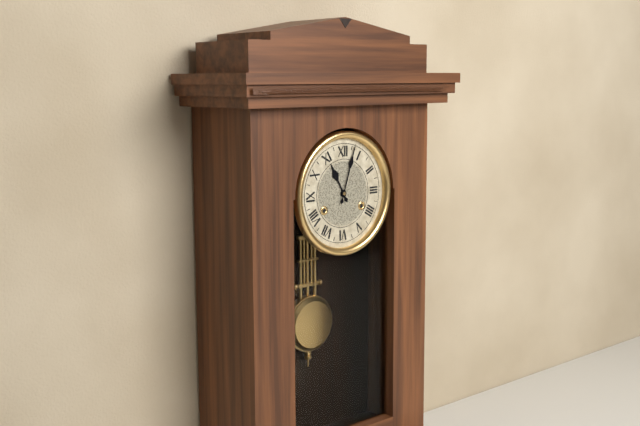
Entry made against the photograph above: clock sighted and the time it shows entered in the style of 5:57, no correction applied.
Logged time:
11:03
